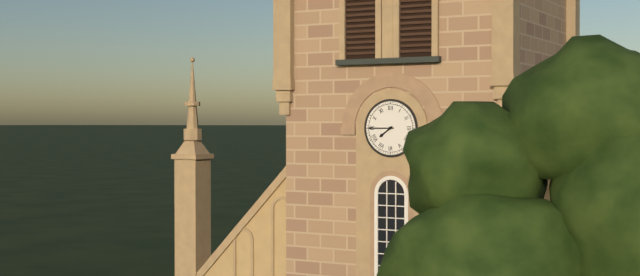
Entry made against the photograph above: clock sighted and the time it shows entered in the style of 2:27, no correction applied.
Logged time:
7:45
